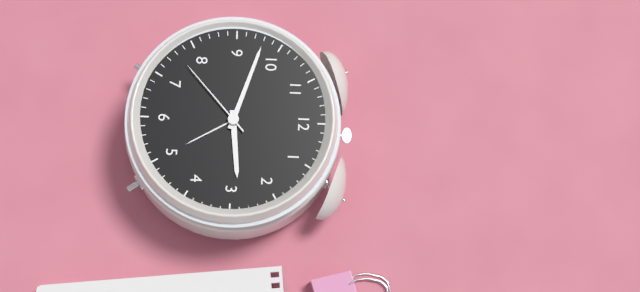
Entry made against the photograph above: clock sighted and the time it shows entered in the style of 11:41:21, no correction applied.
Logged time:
2:48:38
